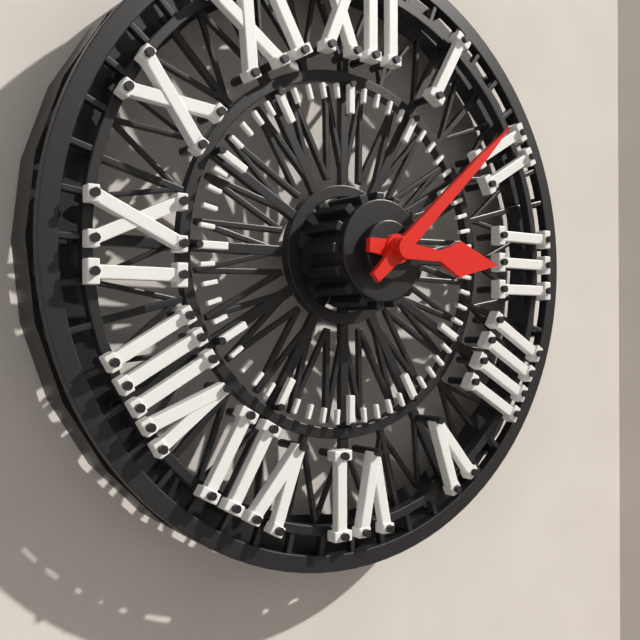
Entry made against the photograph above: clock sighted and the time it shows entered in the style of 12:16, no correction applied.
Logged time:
3:08
